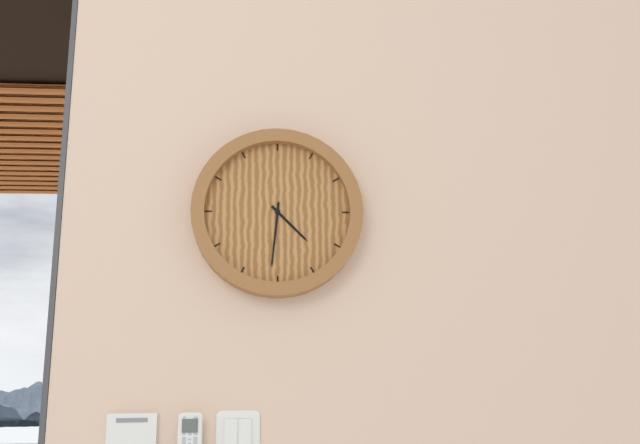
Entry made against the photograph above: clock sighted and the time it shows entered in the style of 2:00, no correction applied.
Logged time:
4:31
